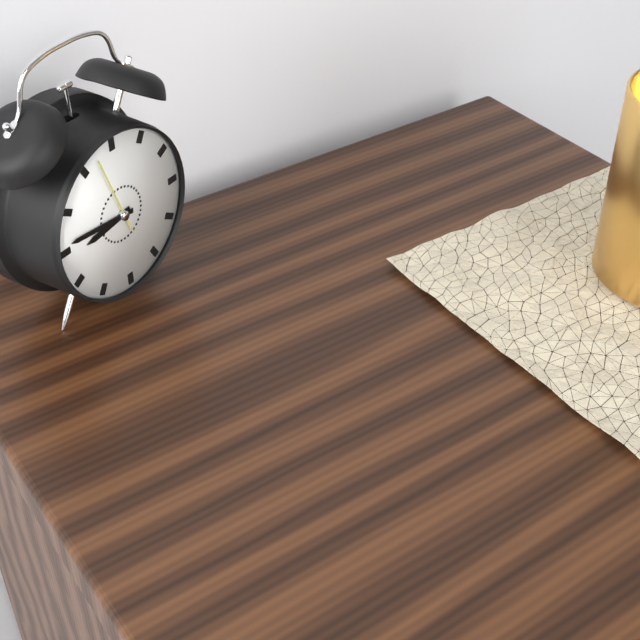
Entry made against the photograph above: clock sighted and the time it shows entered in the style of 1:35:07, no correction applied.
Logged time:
8:46:57
